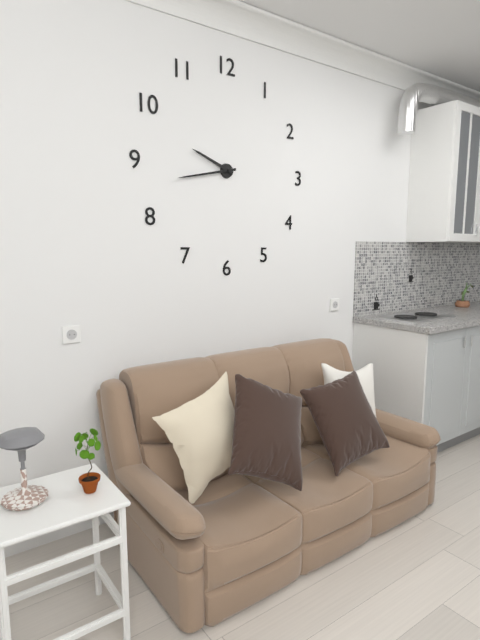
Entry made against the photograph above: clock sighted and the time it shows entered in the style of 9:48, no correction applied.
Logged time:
9:43
